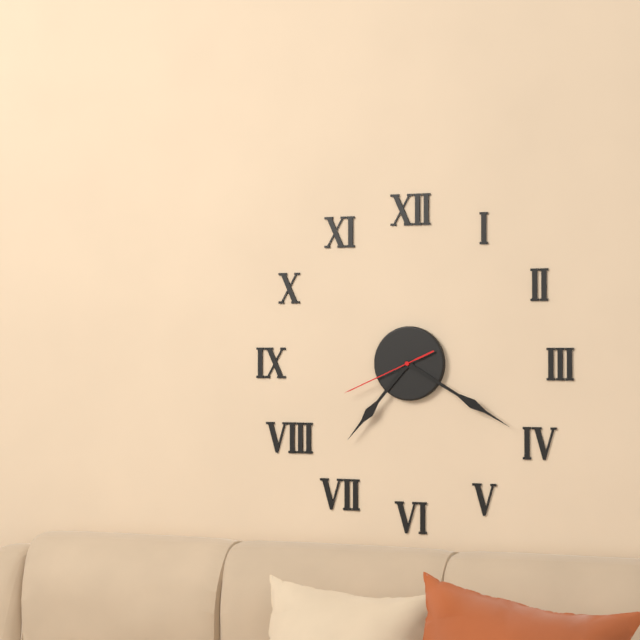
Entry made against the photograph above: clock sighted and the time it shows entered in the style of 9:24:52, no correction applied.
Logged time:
7:20:41
